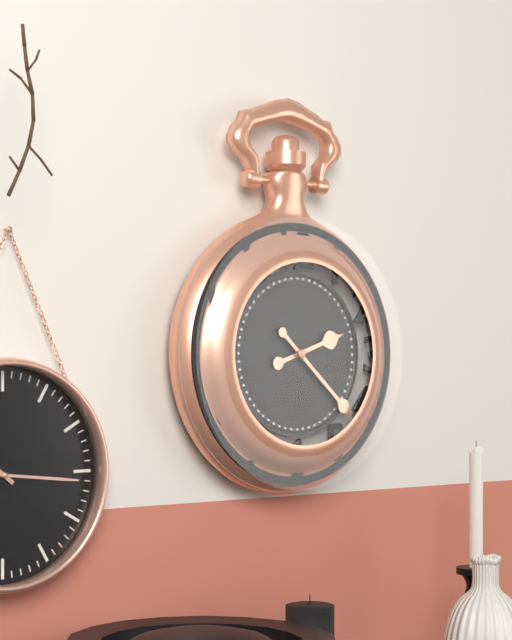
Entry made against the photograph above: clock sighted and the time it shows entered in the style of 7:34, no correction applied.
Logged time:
2:22
